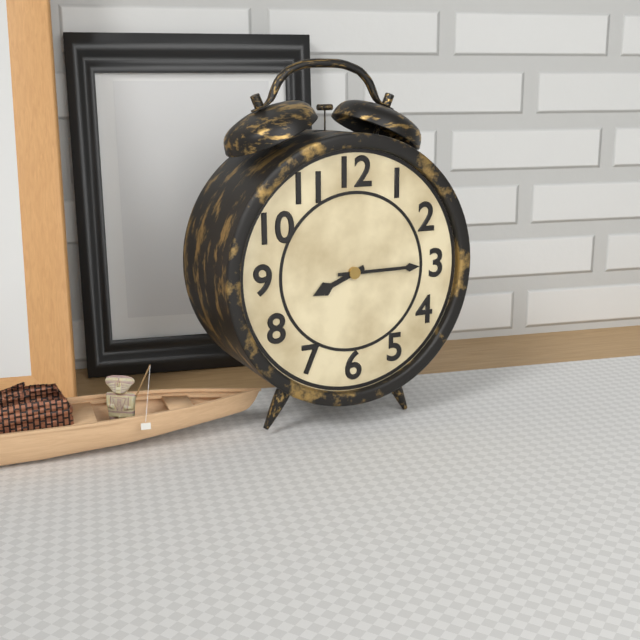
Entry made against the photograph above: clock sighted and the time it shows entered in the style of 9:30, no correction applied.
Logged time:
8:15
